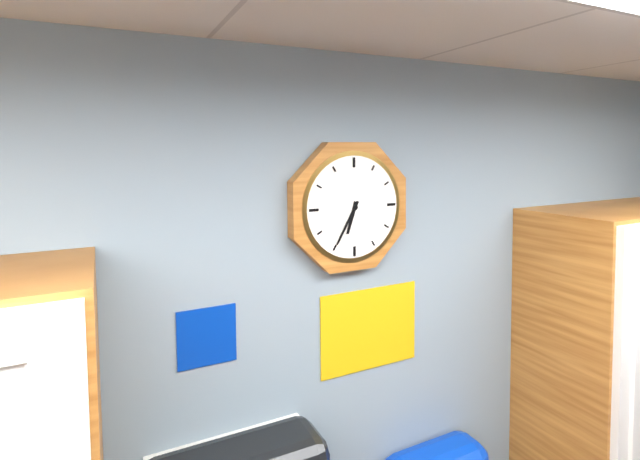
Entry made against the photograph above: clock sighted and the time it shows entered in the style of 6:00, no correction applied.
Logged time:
6:35
